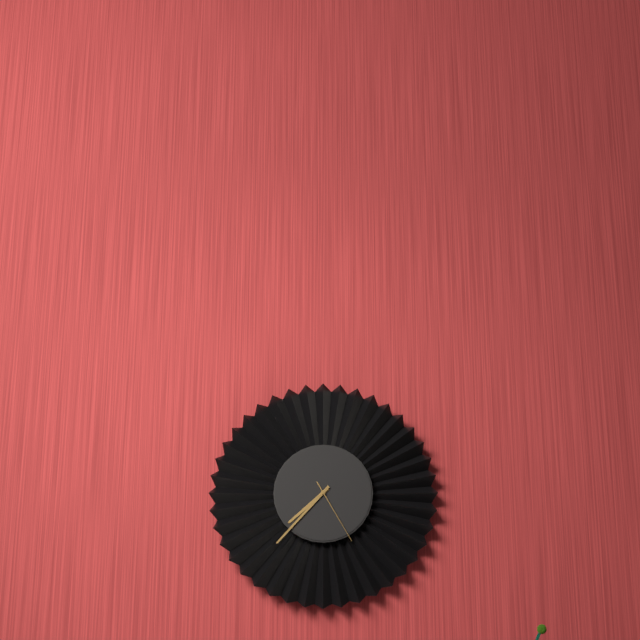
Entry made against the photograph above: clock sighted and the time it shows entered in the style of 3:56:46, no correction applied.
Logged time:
7:37:25
